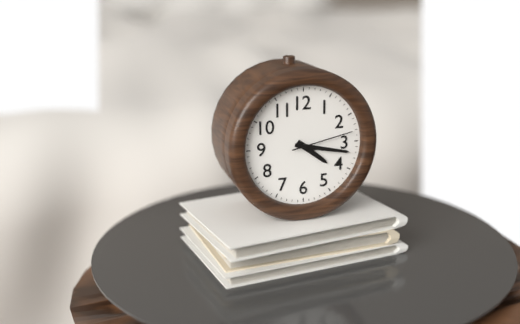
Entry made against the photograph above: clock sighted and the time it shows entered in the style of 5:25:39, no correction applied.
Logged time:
4:17:13
